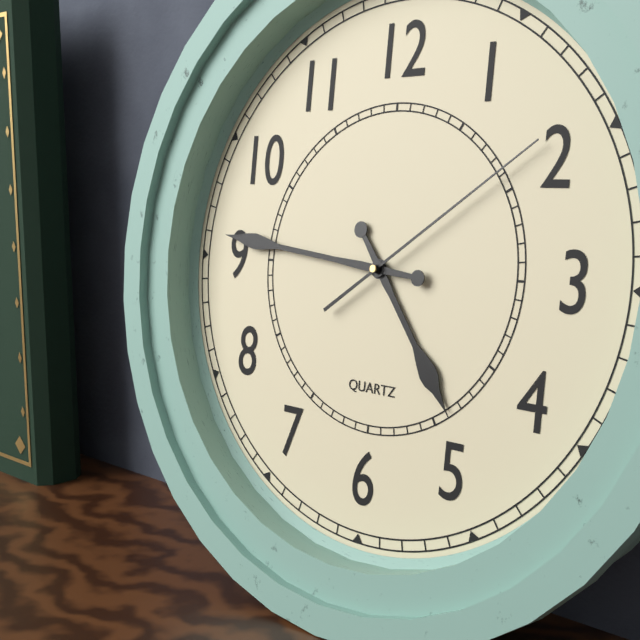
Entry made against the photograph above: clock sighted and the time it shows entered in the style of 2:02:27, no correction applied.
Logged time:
4:46:09
